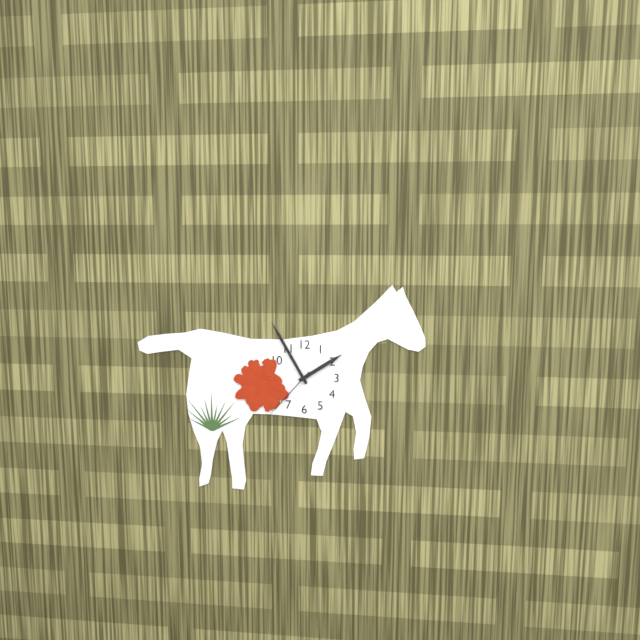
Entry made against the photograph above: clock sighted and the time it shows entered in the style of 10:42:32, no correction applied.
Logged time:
1:55:37
